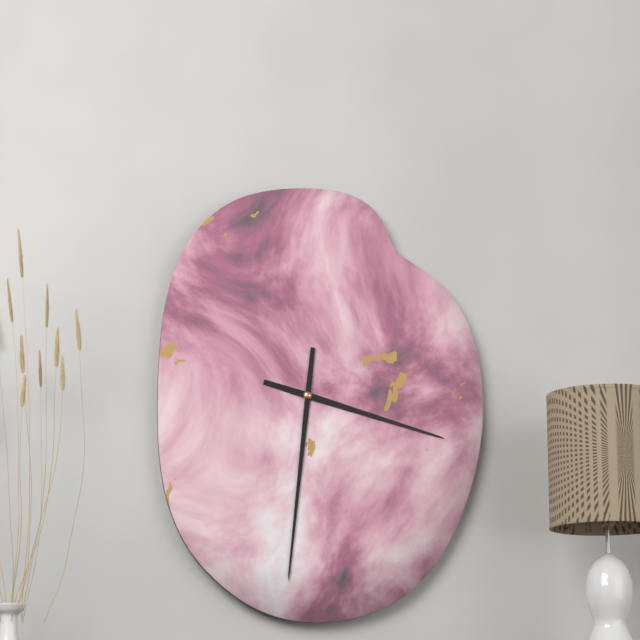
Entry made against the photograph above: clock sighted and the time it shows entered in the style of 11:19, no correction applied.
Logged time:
3:31
